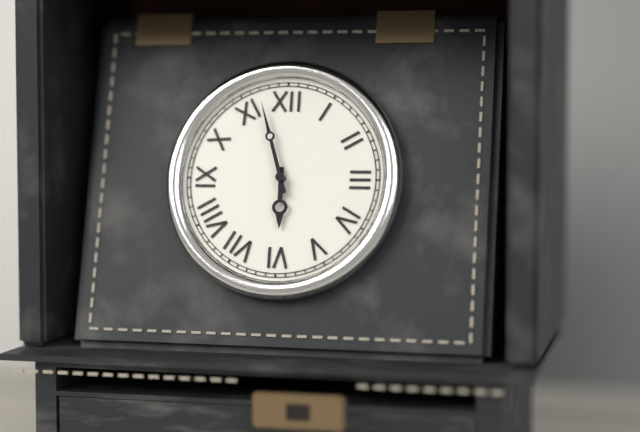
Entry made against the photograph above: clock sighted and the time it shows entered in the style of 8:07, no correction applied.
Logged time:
5:57
